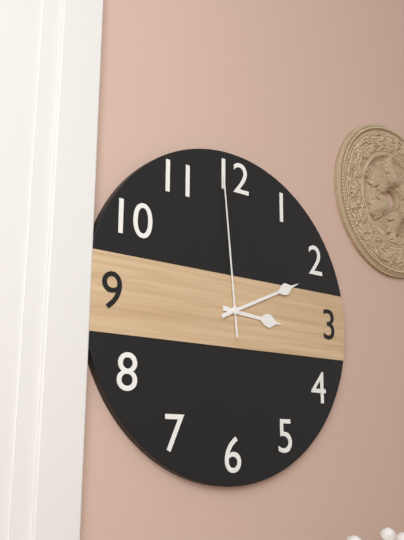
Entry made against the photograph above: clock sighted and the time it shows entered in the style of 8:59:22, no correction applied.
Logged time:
3:11:59
